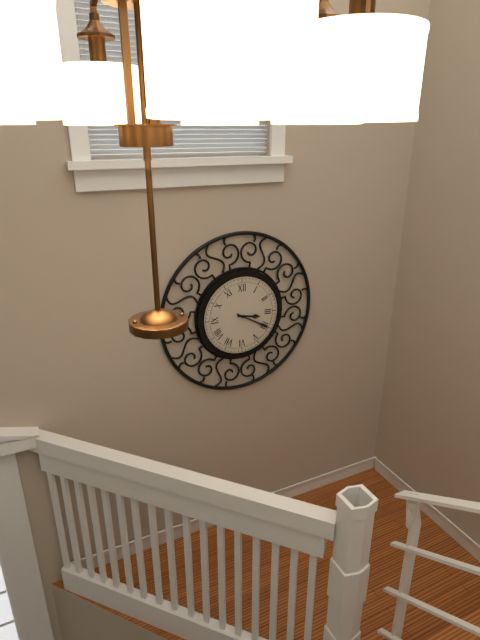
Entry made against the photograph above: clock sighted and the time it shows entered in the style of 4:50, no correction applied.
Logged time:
3:20
